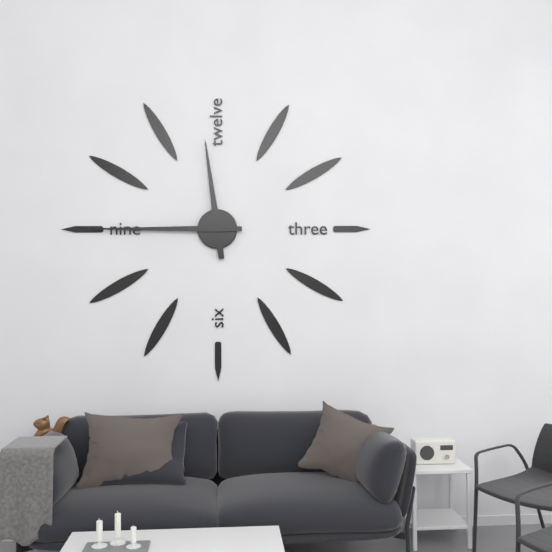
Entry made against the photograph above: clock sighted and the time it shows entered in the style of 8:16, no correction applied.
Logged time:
11:45
